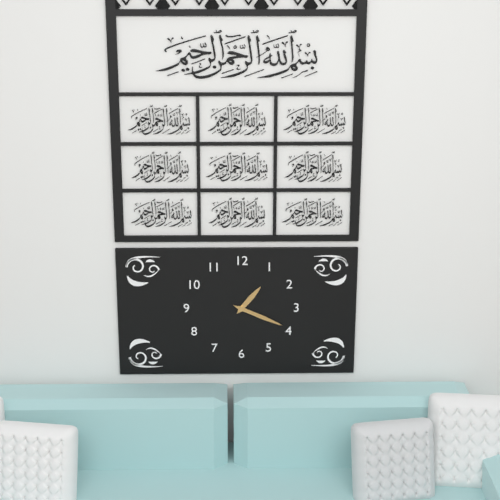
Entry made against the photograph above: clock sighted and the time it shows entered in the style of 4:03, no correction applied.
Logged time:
1:19
